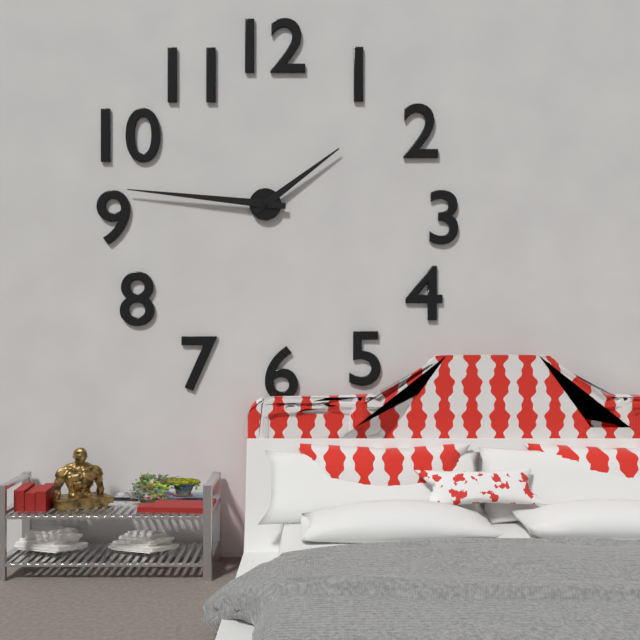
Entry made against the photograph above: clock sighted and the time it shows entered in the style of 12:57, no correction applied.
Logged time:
1:46
